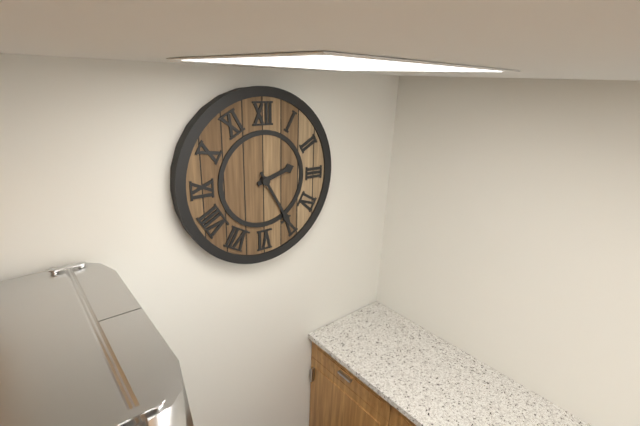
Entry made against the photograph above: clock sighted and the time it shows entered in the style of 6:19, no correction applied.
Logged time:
2:25
